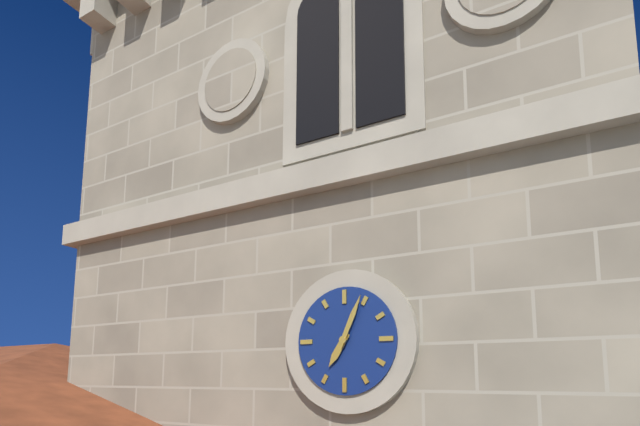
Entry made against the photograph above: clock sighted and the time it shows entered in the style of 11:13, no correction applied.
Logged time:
7:04
